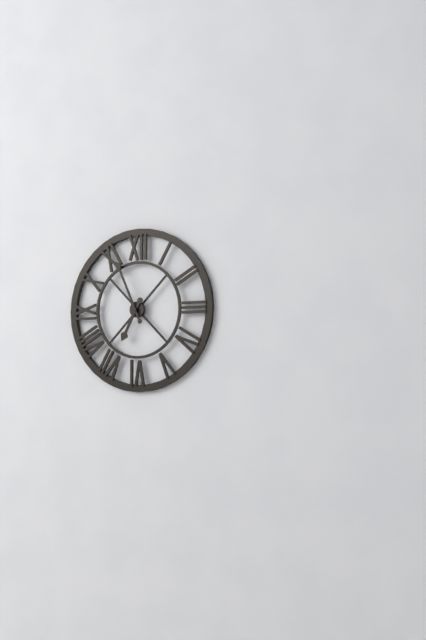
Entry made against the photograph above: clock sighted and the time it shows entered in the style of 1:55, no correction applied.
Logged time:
6:56
